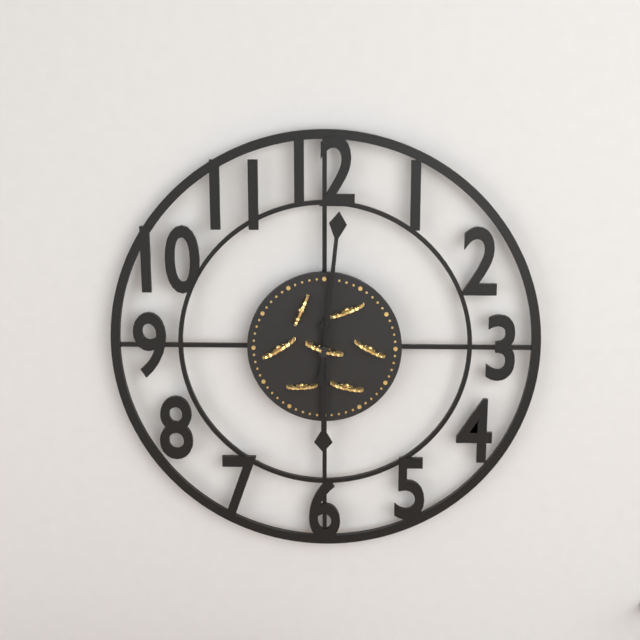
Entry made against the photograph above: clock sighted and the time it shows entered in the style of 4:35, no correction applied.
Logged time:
6:01
